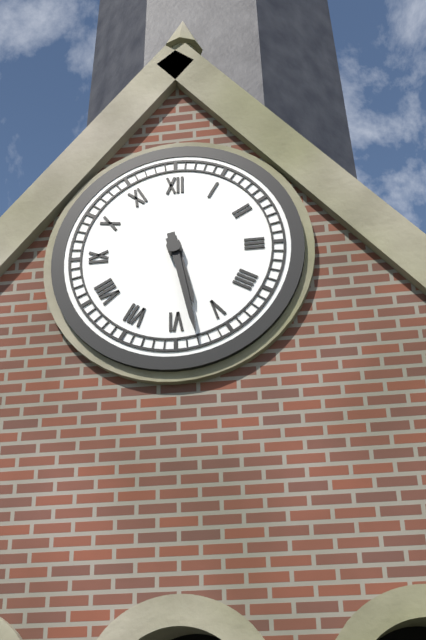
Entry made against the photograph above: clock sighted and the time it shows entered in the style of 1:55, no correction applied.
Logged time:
5:28
